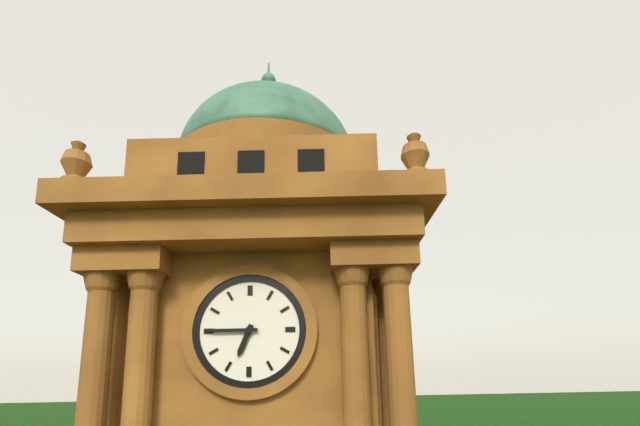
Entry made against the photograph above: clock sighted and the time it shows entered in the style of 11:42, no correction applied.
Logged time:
6:45
